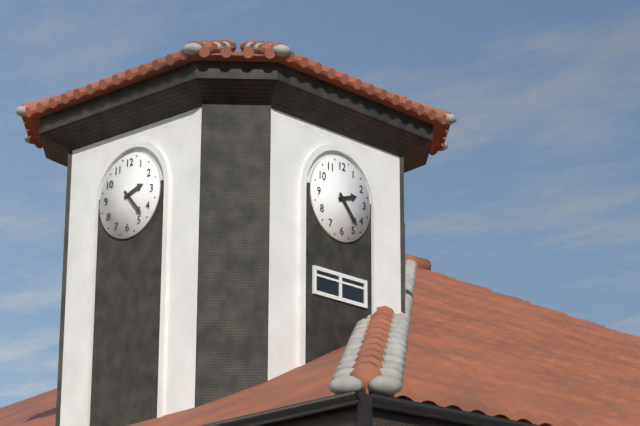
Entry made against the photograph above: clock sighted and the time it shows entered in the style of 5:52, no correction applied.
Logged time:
2:23
